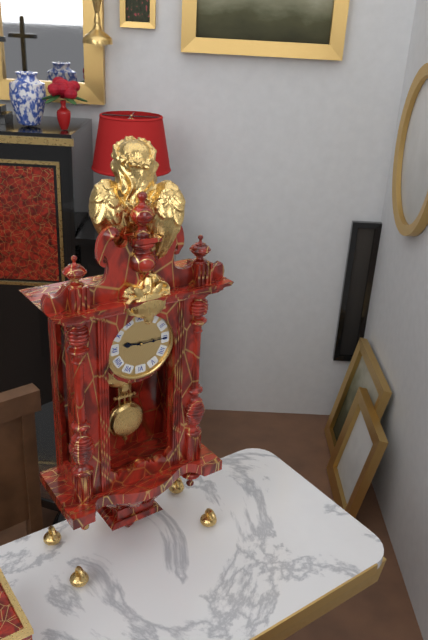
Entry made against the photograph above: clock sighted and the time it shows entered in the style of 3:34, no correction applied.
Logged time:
9:15
